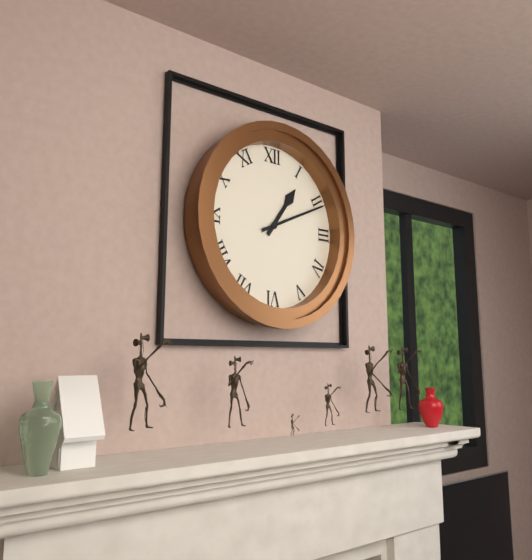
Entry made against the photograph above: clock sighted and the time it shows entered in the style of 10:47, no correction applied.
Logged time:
1:11
